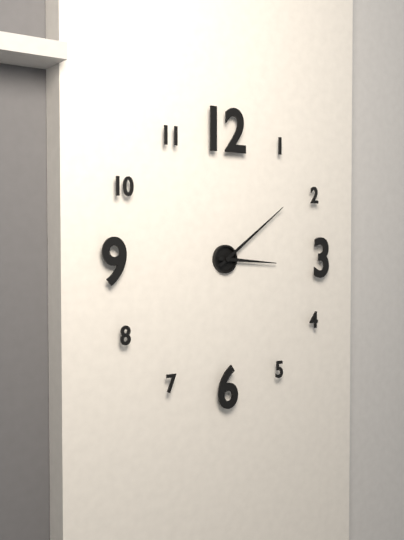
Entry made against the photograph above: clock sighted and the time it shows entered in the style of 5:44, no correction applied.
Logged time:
3:09
